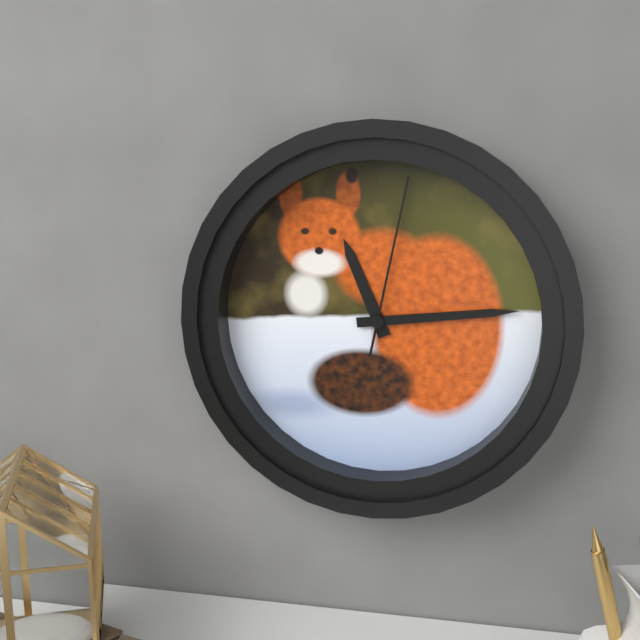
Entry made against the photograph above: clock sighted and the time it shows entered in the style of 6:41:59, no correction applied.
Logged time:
11:14:02
